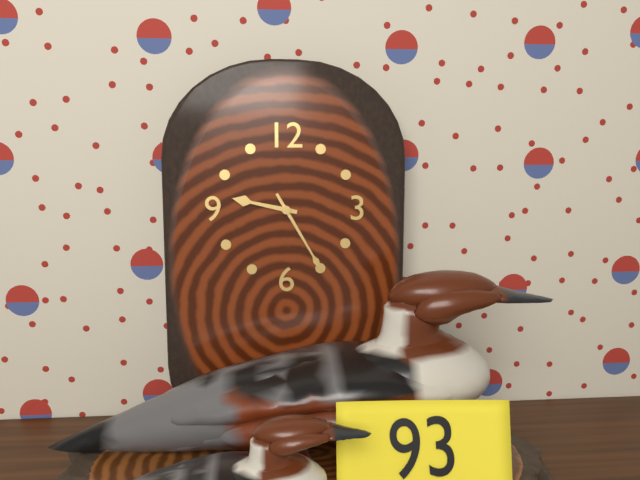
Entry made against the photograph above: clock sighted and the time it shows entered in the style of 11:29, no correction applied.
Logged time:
9:25
